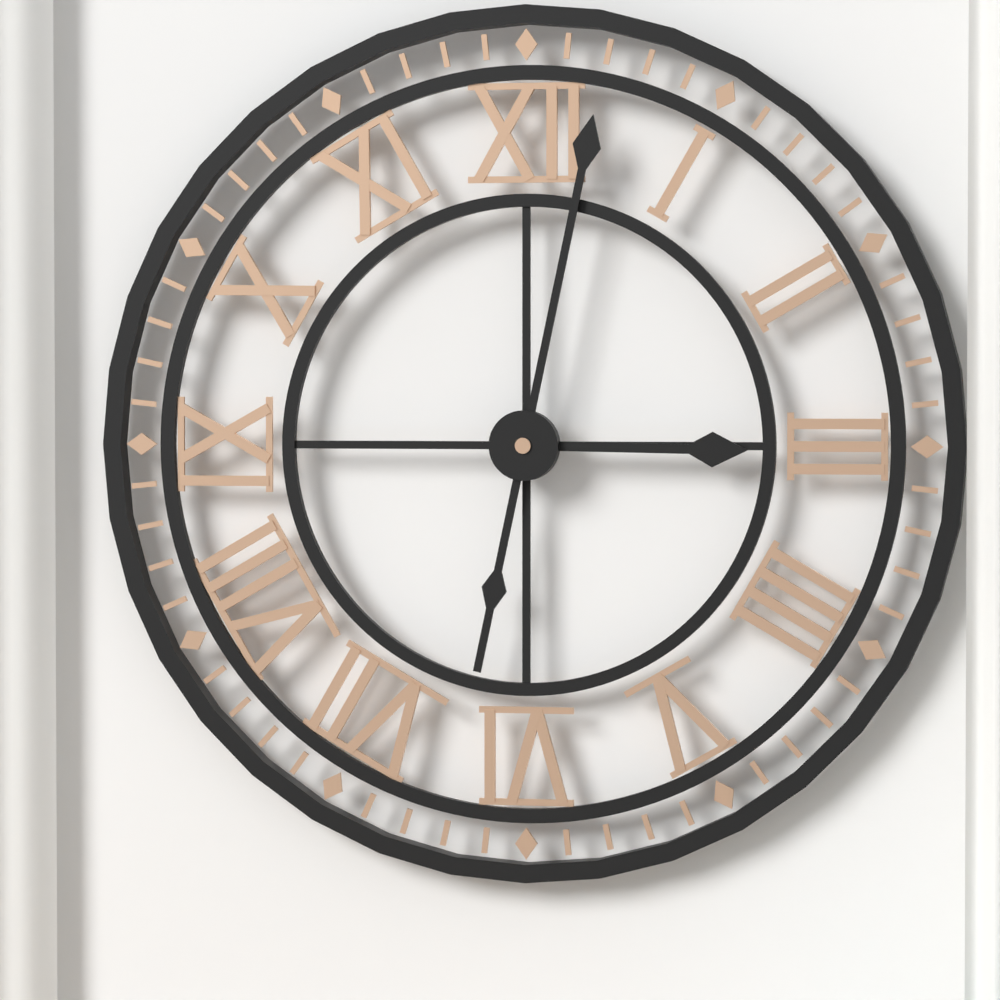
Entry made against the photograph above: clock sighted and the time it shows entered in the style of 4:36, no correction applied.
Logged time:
3:02
